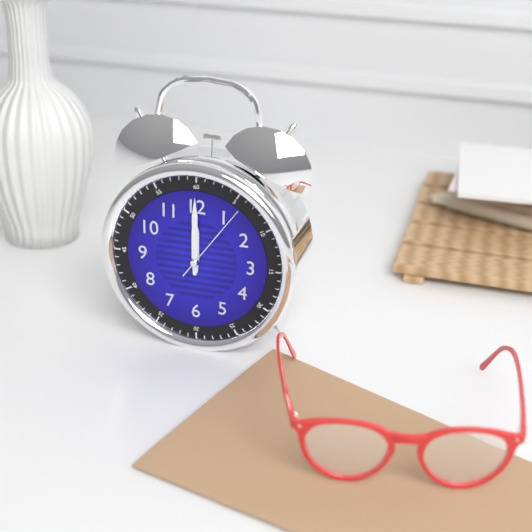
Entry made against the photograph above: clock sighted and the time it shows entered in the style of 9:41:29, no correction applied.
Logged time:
12:00:06
